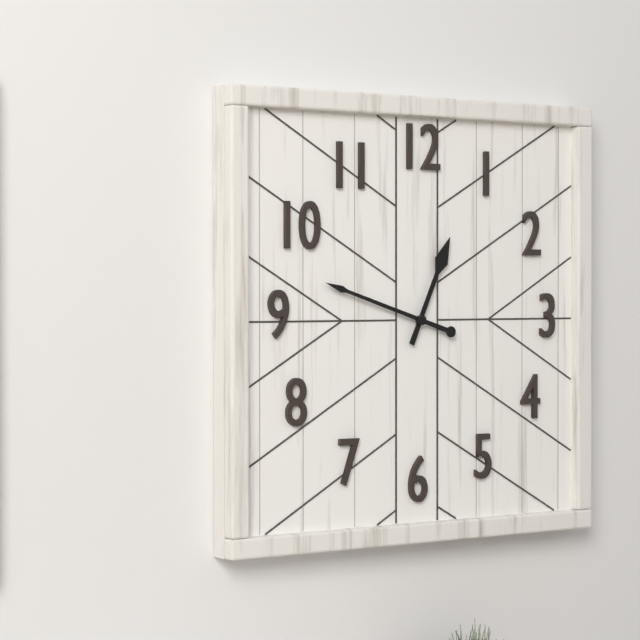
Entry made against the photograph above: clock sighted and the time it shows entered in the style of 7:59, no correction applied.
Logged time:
12:48
